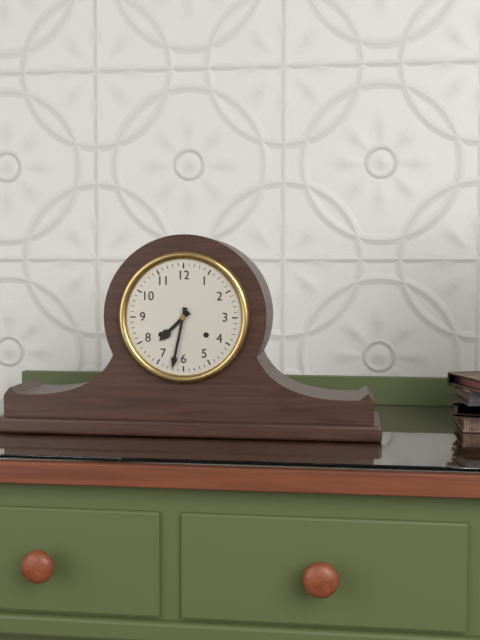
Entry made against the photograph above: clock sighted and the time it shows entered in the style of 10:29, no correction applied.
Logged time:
7:32
